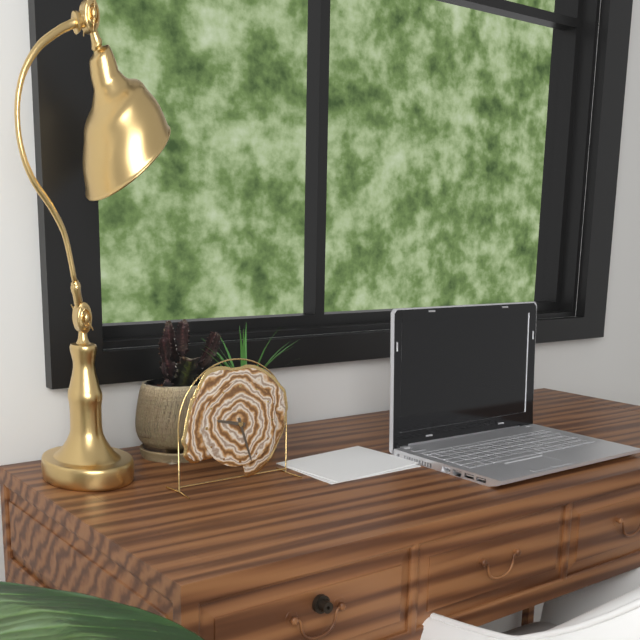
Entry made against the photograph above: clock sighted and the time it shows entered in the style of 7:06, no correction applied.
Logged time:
9:27
